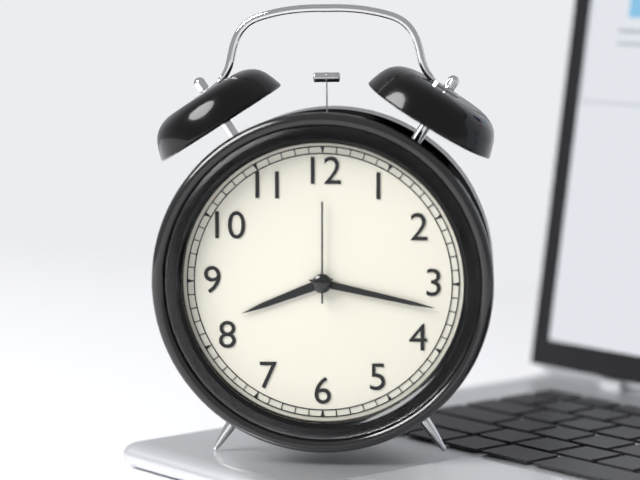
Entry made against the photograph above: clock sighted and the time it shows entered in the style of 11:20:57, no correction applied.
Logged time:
8:17:00
